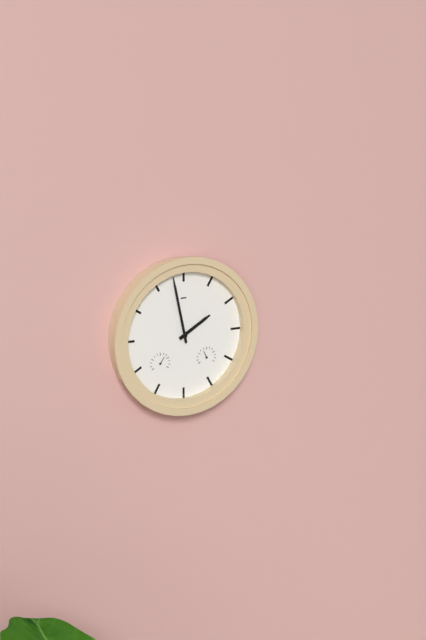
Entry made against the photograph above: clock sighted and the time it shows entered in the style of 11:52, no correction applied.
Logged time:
1:58
